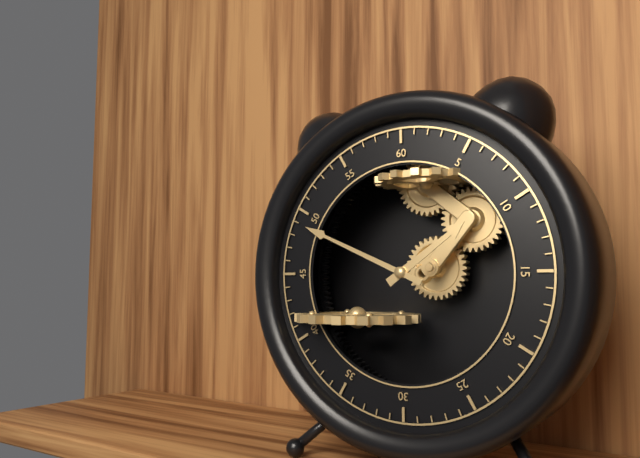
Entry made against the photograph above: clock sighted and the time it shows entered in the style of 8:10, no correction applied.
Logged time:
1:49
